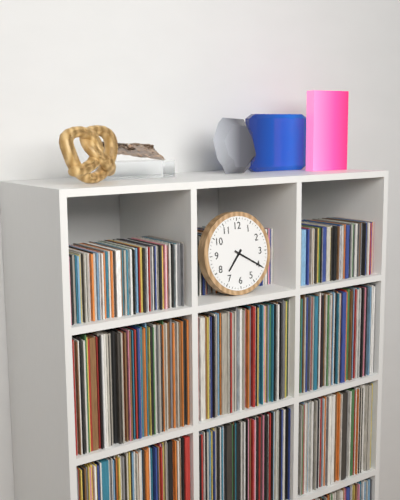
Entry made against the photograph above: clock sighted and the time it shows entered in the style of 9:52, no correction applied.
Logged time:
7:20
